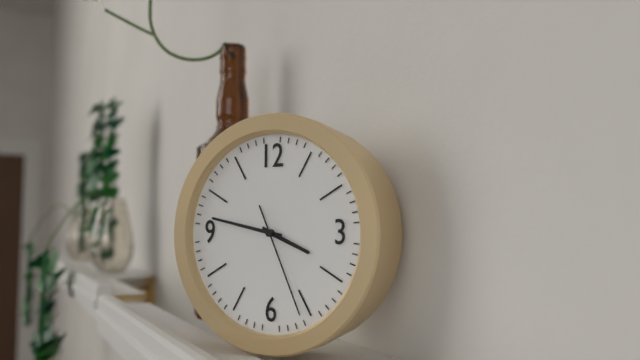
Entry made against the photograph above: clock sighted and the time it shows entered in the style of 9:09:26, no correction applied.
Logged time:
3:47:26
